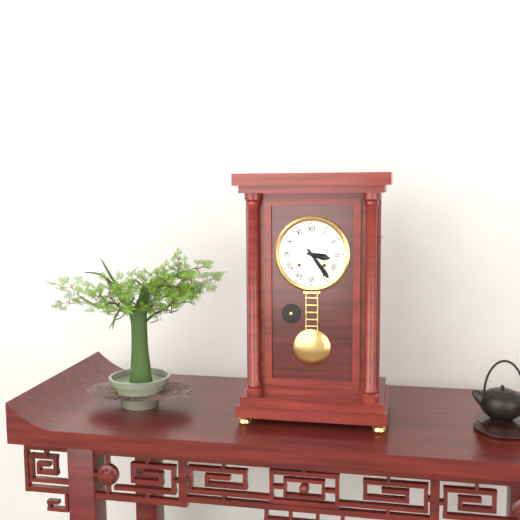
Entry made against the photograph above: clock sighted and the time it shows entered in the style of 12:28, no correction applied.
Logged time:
3:24
